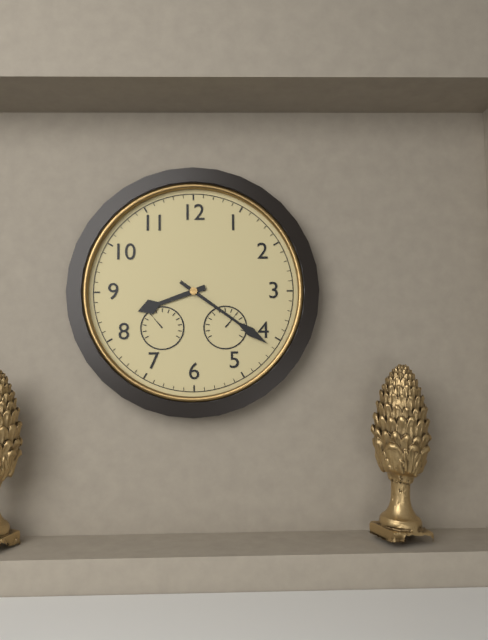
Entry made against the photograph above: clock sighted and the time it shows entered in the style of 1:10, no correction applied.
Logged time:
8:21
